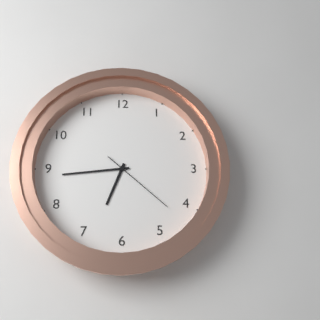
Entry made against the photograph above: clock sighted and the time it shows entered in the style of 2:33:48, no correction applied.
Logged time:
6:44:22
